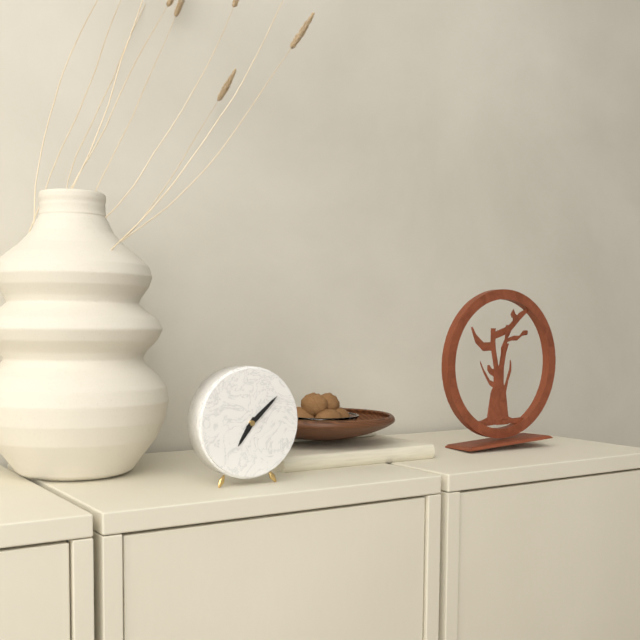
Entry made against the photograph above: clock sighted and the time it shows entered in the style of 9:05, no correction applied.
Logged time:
7:08
